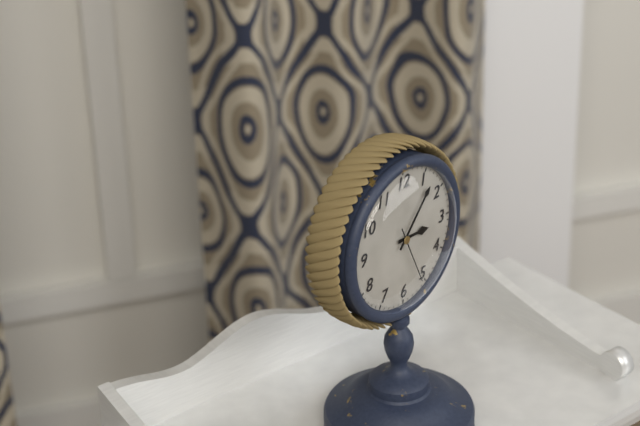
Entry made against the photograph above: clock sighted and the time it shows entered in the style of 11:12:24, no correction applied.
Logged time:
3:07:26
